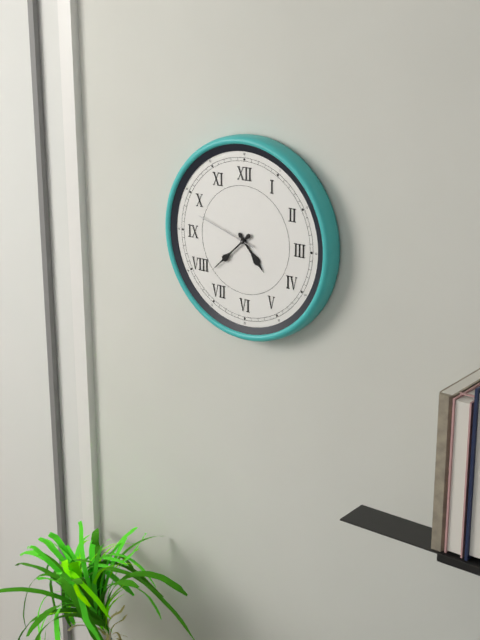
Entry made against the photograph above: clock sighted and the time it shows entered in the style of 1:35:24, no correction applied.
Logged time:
4:38:48
